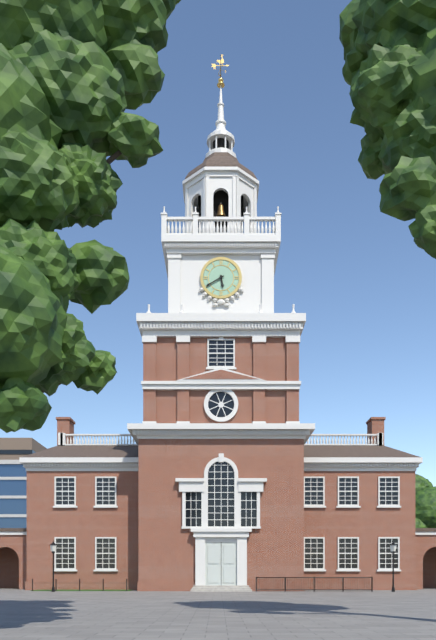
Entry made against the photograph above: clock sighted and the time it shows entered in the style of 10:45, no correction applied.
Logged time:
5:40
